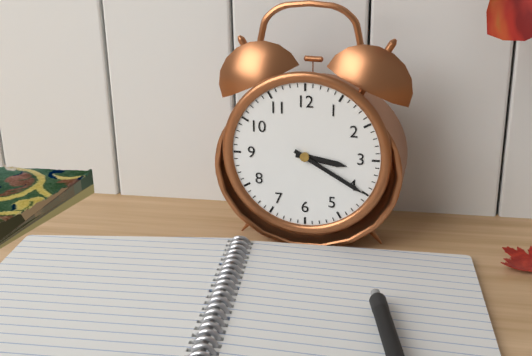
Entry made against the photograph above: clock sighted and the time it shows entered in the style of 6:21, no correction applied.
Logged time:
3:20
